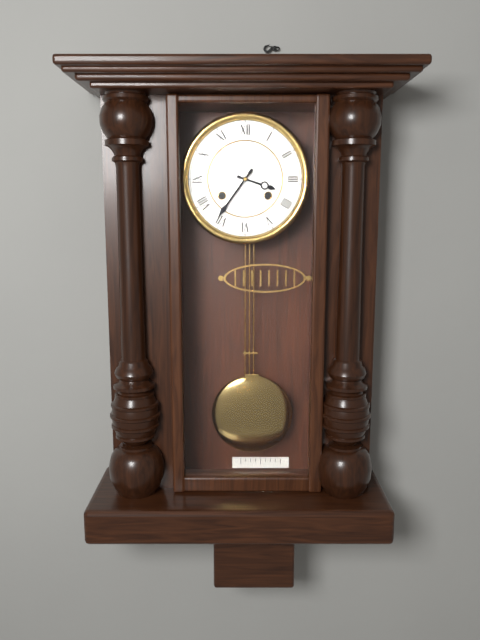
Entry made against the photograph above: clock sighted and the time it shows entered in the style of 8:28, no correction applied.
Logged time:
3:36
